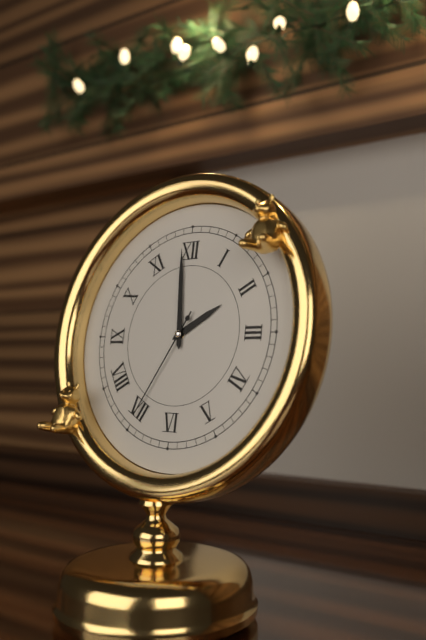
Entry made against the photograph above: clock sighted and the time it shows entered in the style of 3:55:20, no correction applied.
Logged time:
1:59:35
